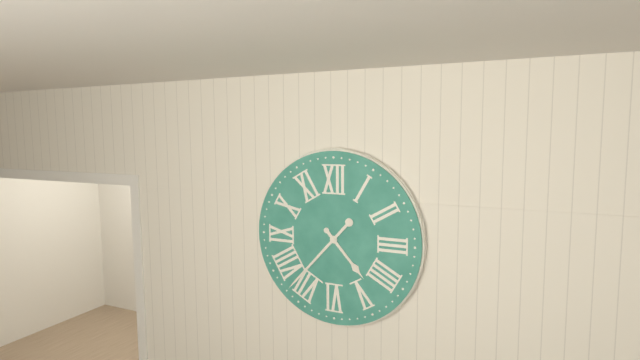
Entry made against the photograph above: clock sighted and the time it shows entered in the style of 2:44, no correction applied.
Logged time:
4:37
